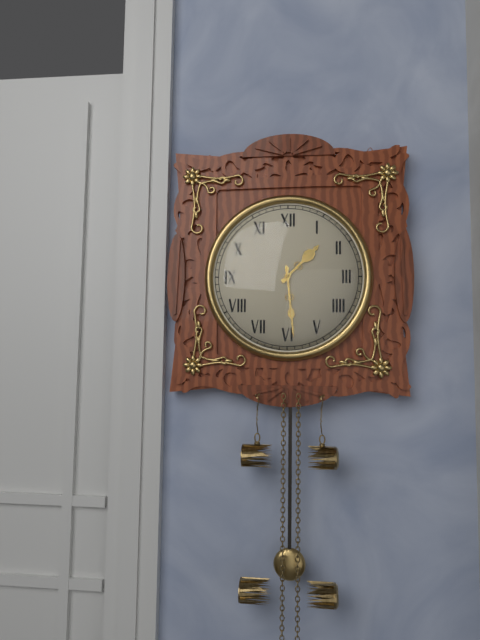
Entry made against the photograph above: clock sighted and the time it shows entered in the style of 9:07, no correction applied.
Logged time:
1:29
